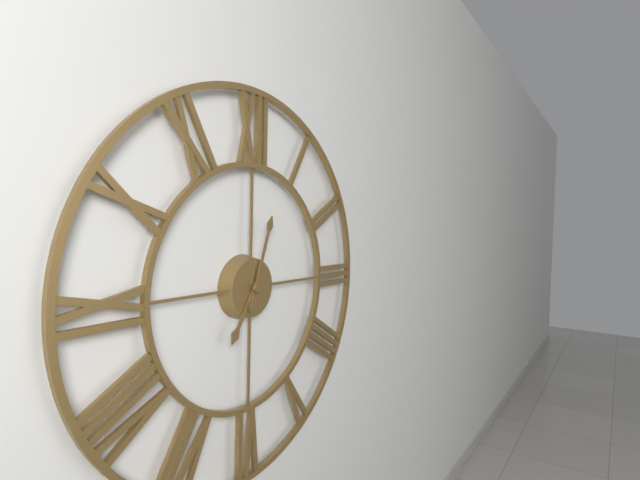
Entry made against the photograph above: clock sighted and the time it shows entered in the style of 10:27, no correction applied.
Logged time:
7:03
